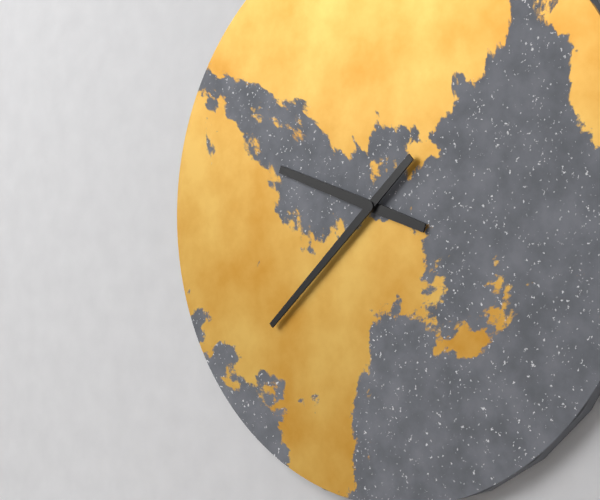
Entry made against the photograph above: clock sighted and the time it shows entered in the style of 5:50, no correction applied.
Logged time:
9:38
